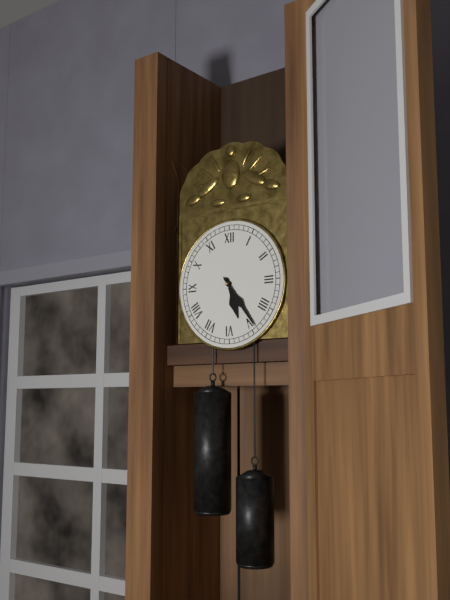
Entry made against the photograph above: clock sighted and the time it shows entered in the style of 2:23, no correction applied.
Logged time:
5:24
